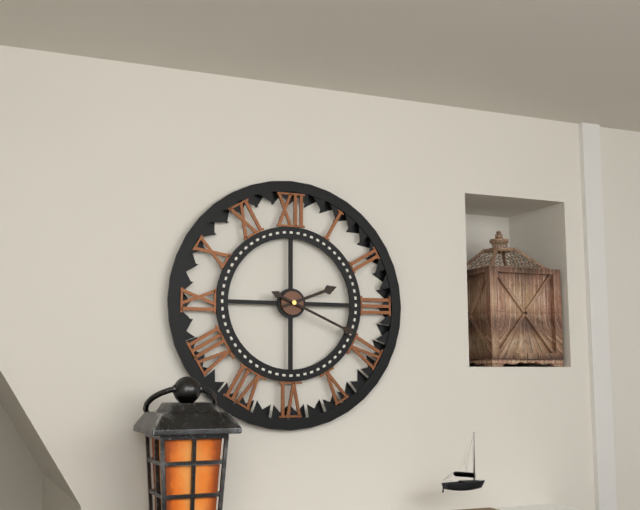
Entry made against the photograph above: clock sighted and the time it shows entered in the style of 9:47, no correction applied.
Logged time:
2:19
